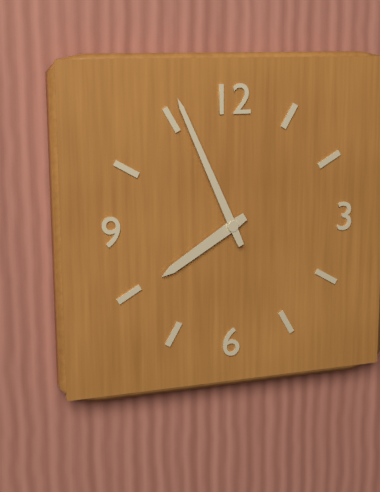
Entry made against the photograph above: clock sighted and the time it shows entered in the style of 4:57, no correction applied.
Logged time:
7:56
